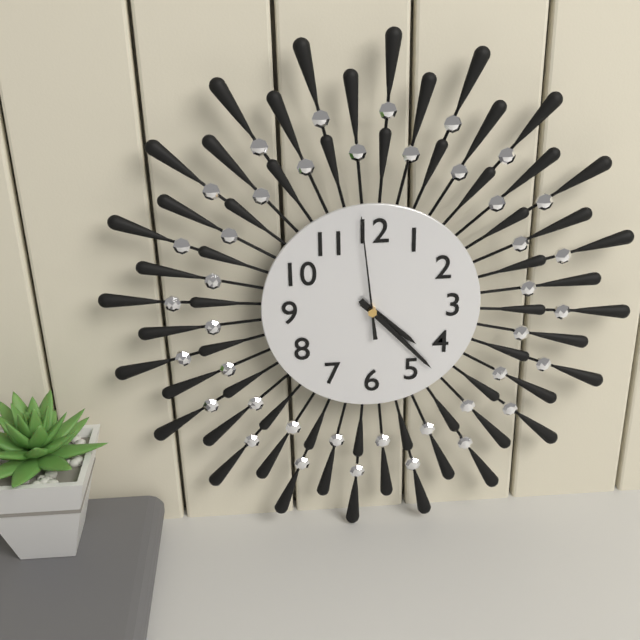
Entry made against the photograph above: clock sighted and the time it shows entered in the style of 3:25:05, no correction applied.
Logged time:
4:23:59
